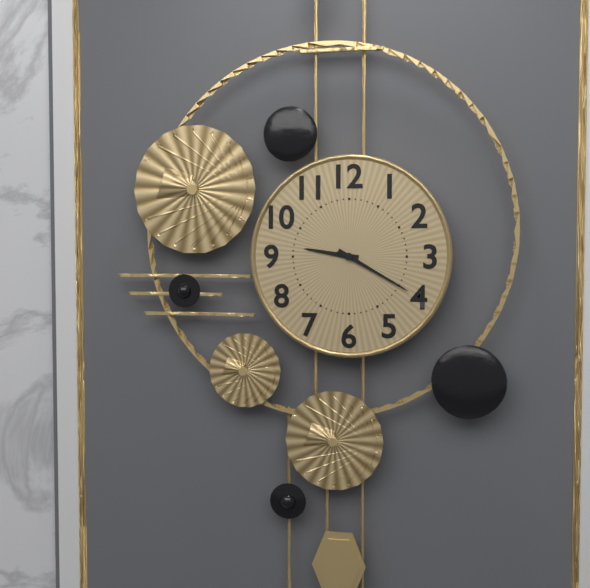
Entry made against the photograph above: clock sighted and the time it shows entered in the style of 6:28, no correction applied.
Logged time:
9:20
